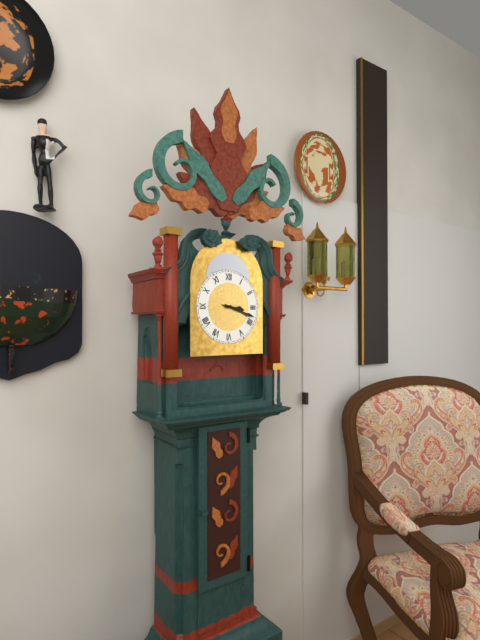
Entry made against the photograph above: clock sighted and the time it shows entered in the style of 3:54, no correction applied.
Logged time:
3:18
